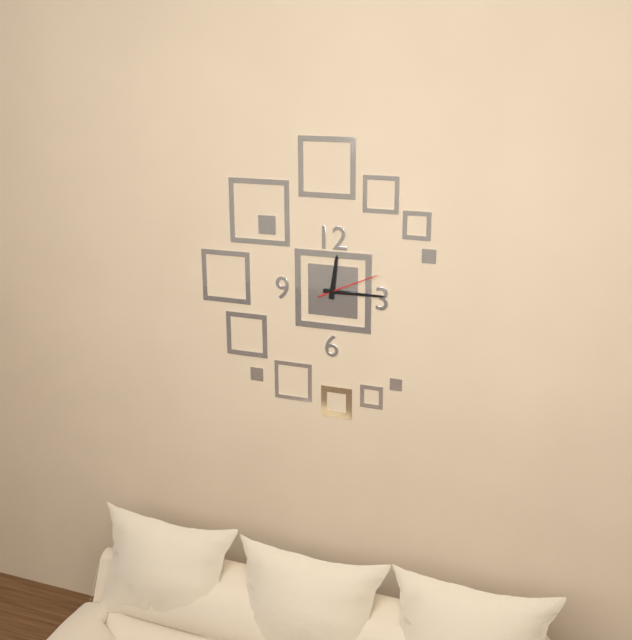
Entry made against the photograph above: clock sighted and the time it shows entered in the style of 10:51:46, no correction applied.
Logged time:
12:15:11
